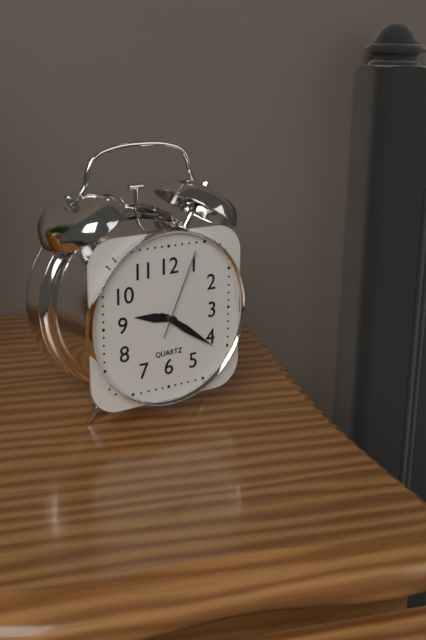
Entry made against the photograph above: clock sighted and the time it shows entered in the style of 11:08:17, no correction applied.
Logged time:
9:21:04
